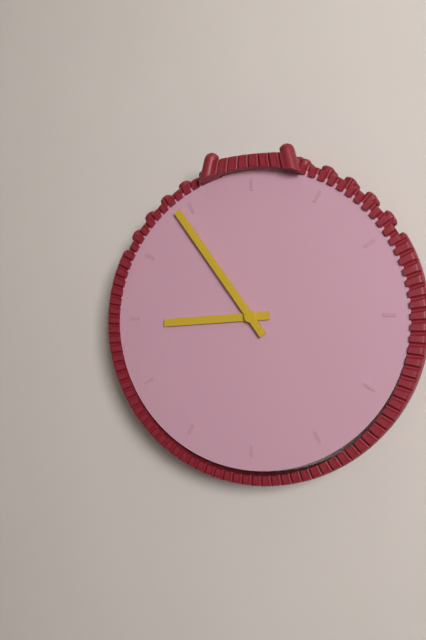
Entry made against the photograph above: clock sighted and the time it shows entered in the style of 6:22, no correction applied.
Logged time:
8:54
